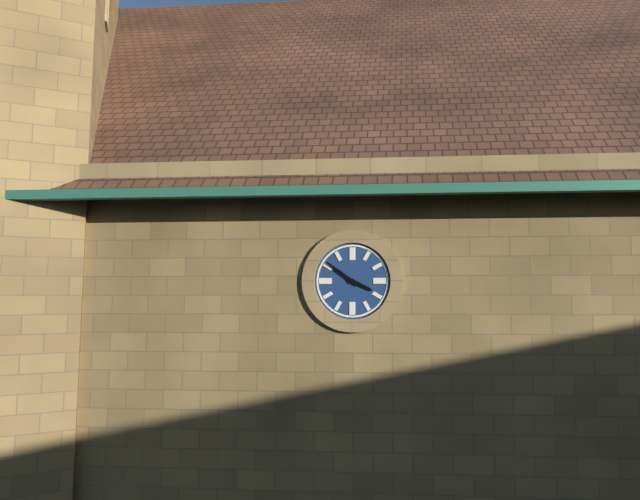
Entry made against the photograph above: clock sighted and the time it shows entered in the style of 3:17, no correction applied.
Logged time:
3:51
